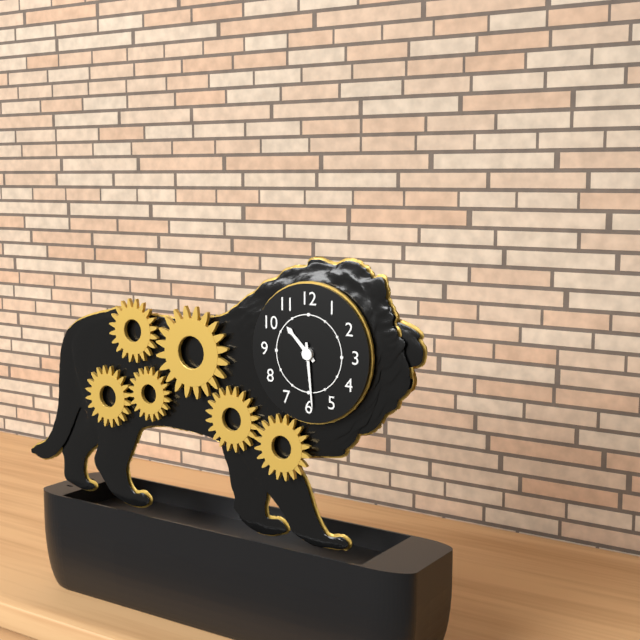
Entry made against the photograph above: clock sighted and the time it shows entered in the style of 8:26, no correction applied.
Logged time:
10:29
